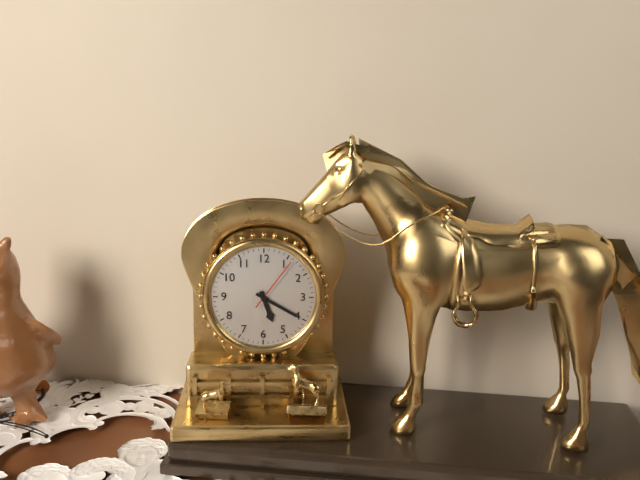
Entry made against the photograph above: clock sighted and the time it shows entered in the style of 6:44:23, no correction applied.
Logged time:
5:20:06
